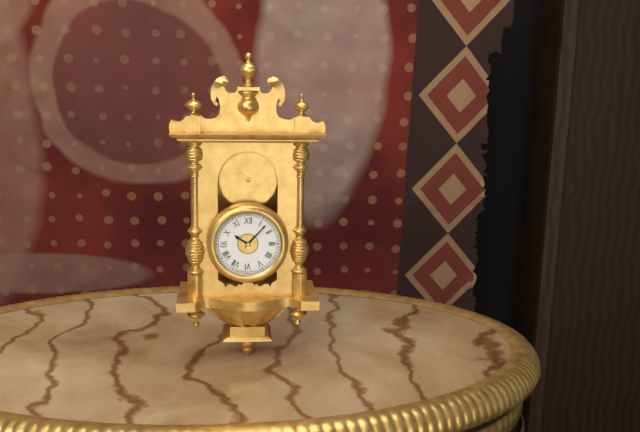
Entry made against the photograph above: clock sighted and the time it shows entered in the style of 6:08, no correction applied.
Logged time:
10:07
